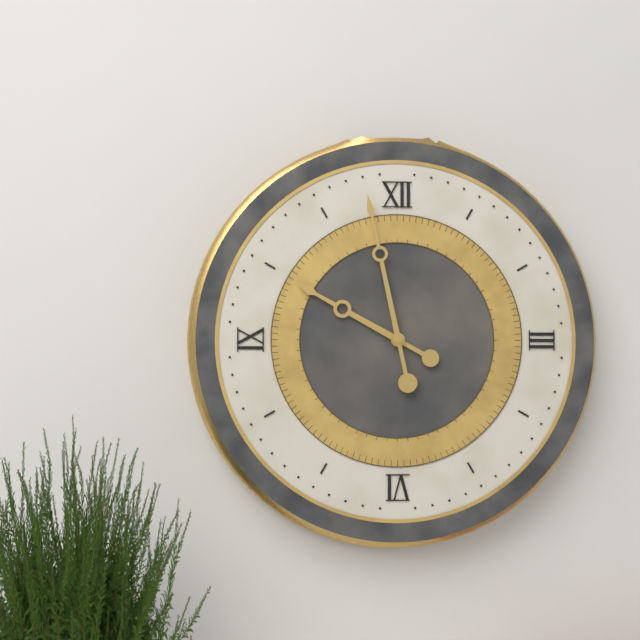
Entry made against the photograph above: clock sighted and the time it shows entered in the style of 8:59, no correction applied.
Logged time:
9:58
